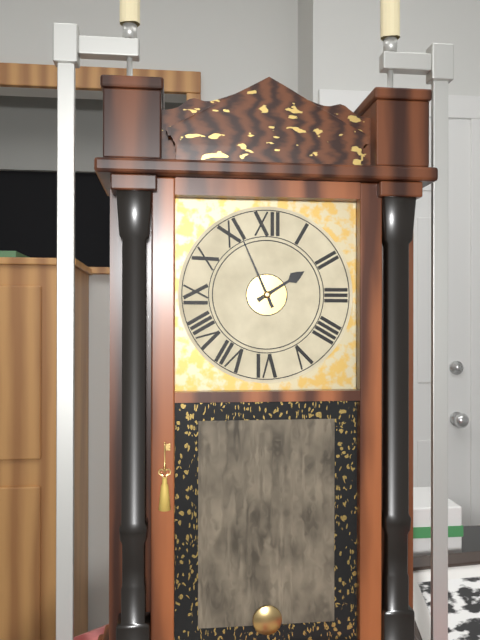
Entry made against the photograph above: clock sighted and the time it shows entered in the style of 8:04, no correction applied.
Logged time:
1:56
